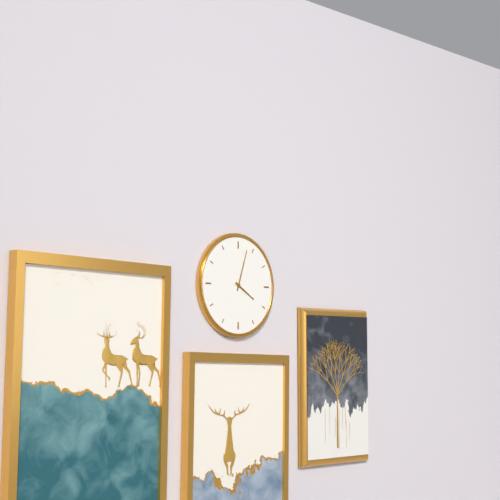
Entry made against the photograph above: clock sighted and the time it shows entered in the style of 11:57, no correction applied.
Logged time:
4:03
